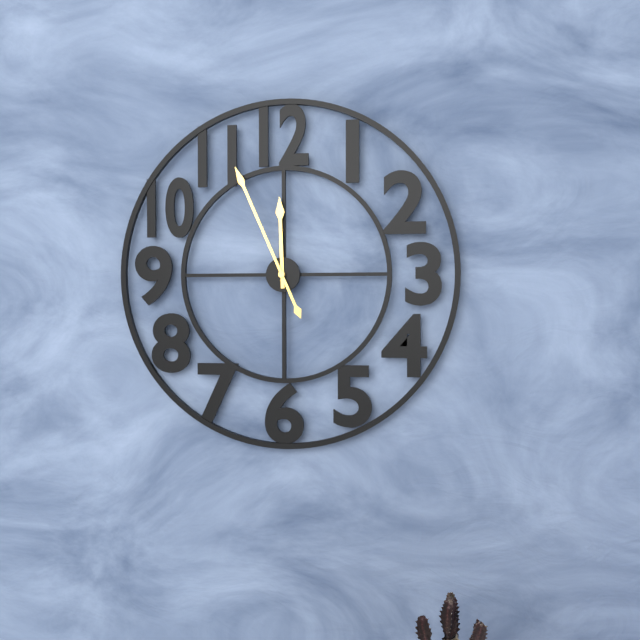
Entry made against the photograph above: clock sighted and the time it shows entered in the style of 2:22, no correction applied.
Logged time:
11:56
